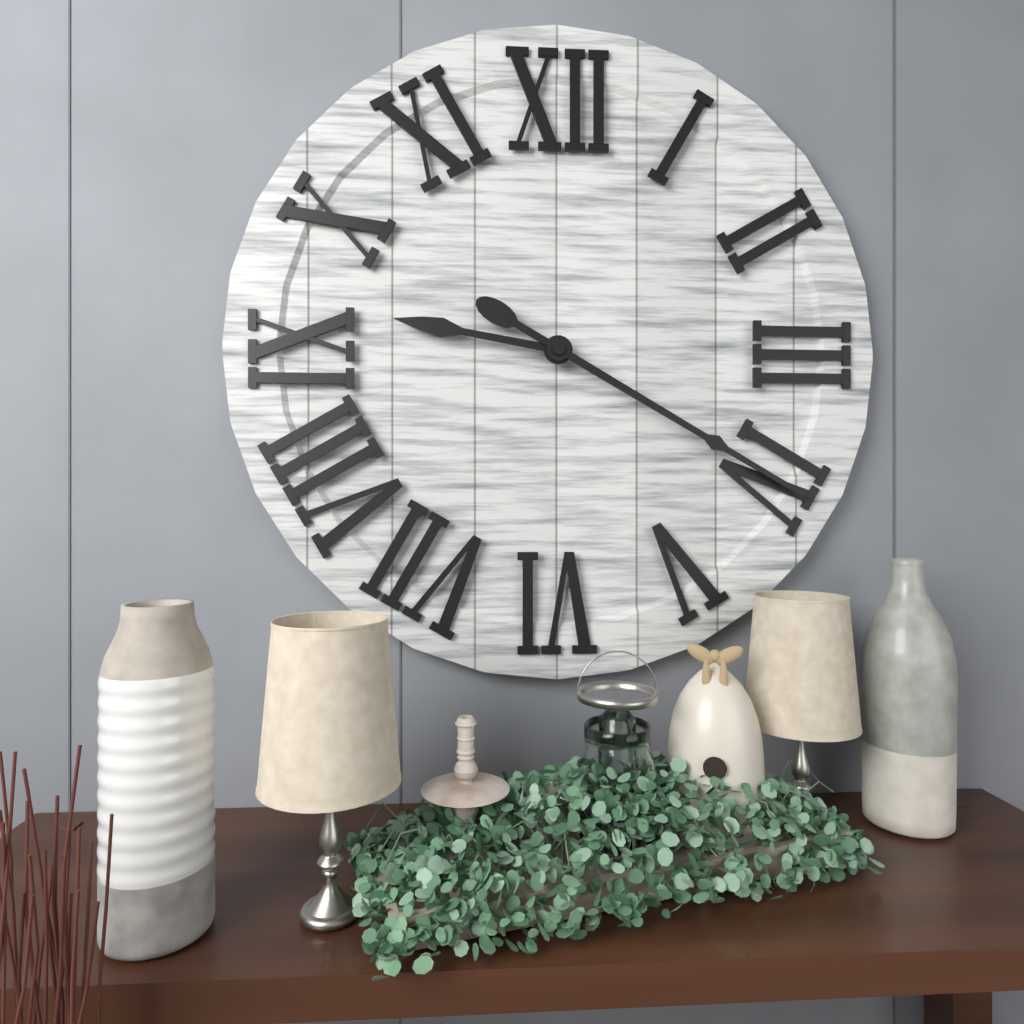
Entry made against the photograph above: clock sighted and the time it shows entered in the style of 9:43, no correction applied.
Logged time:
9:20
